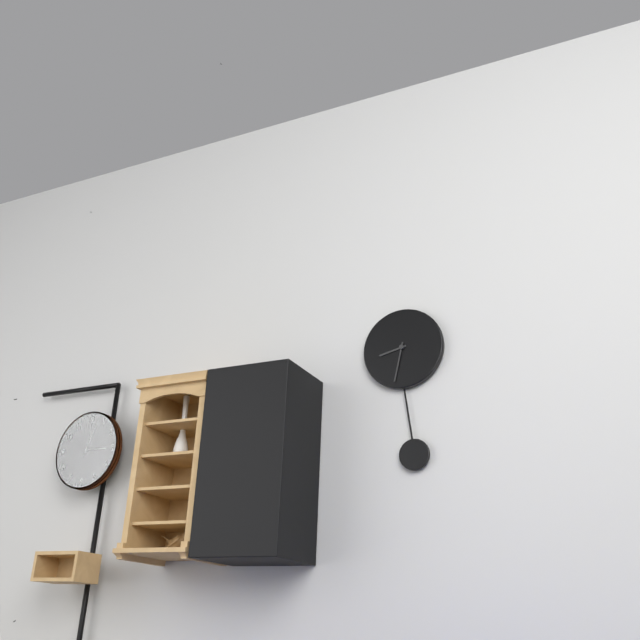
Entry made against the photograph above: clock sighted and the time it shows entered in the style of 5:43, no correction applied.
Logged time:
8:32
